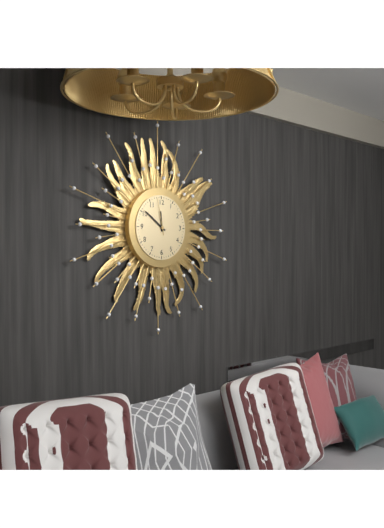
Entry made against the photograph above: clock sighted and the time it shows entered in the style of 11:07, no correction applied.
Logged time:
11:51
